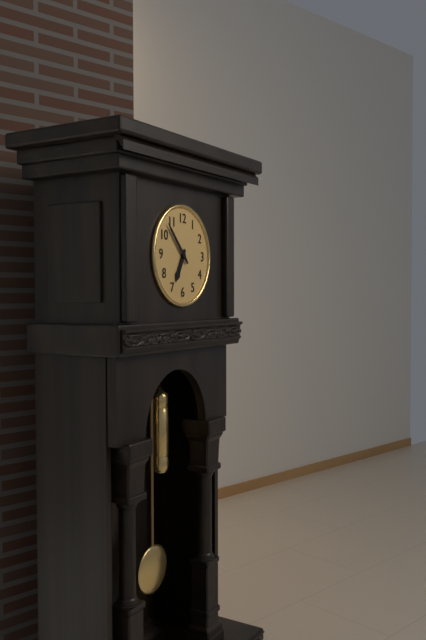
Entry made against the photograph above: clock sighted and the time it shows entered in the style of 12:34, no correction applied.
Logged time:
6:53
